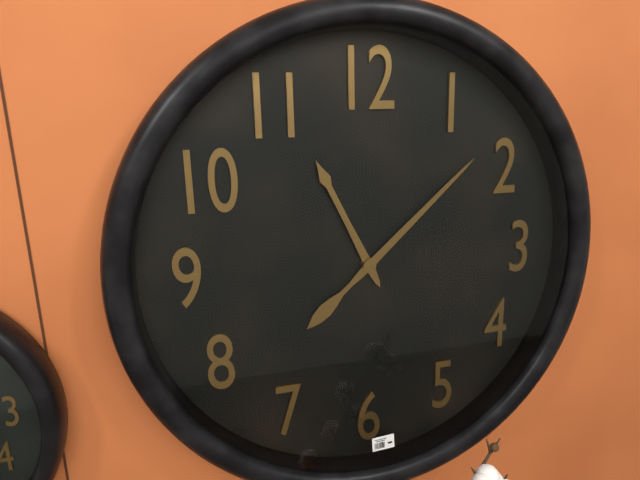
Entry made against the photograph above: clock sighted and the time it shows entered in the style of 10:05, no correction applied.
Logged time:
11:08
